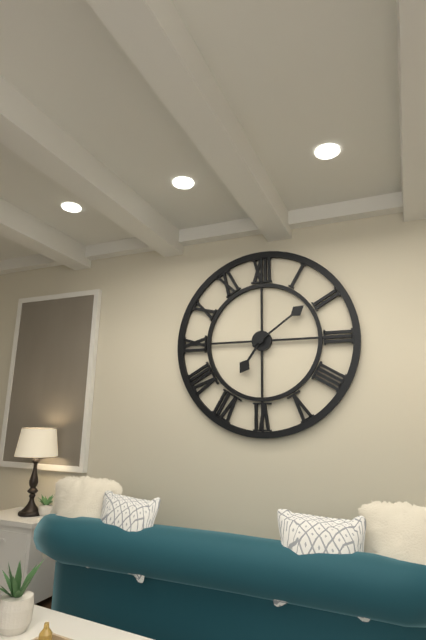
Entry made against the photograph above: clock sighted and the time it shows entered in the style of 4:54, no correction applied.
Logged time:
7:09
